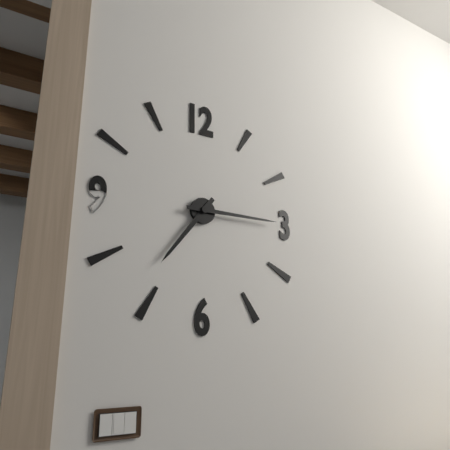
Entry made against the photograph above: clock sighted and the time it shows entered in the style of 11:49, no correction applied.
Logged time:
7:15
